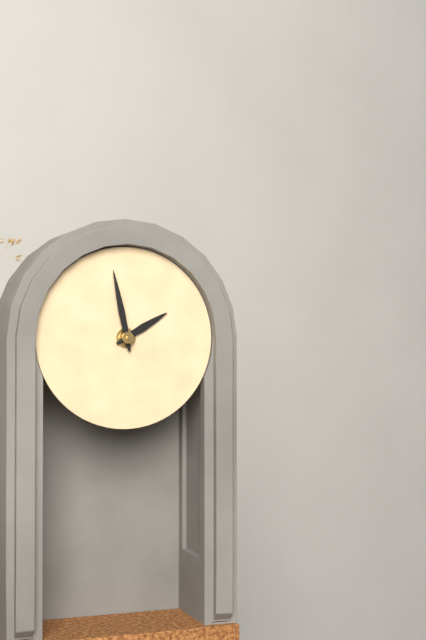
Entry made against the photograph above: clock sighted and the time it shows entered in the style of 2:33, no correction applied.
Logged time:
1:58
